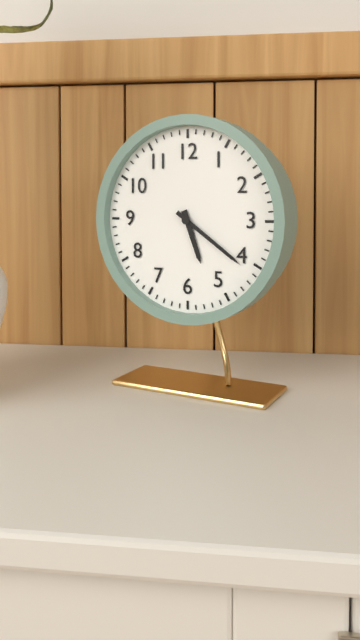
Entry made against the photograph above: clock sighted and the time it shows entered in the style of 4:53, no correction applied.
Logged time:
5:21
